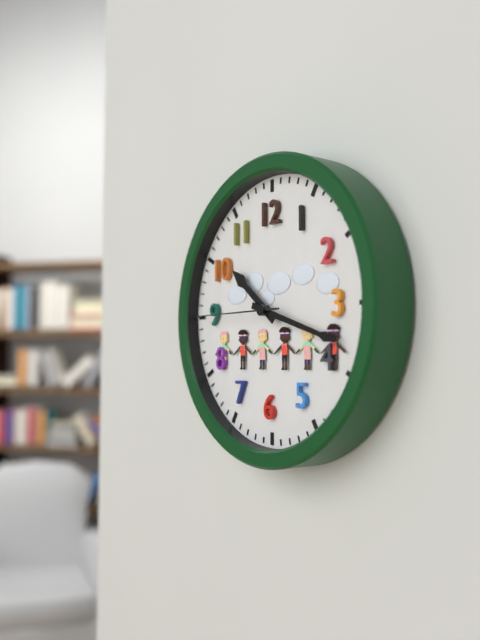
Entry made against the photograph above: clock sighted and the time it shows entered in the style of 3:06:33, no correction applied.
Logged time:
10:18:45
